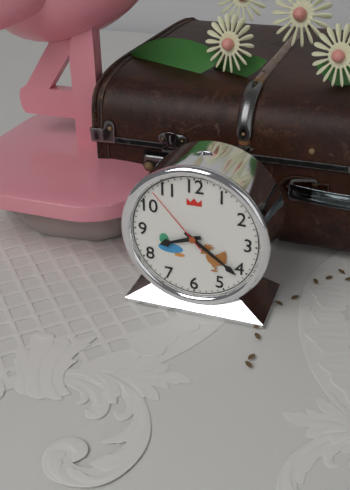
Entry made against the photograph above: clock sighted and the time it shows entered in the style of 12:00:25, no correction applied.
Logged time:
8:21:53
